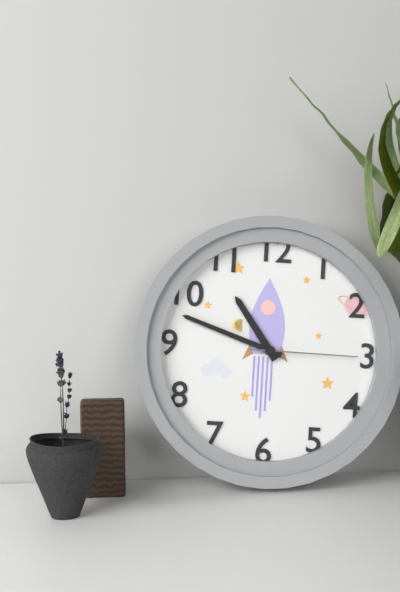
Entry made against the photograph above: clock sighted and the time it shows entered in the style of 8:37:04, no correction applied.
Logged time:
10:48:15
